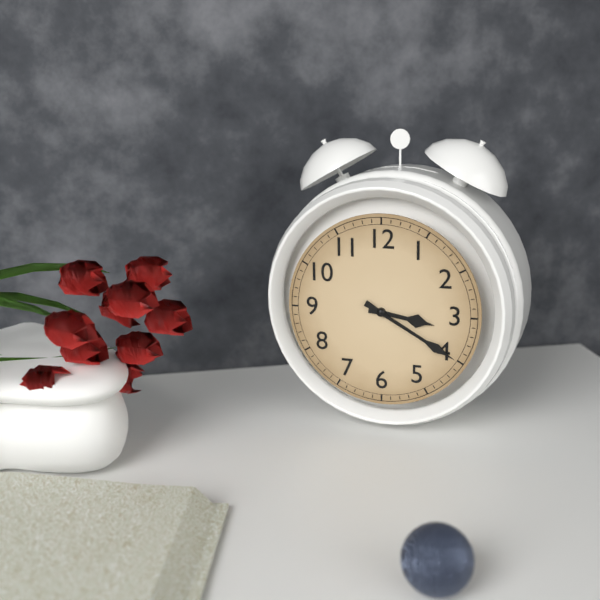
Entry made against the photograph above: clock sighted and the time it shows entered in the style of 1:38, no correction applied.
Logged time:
3:20
